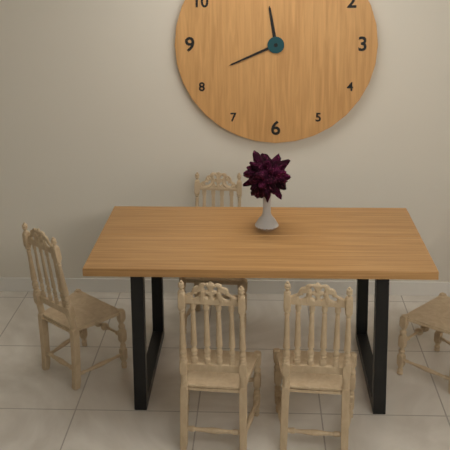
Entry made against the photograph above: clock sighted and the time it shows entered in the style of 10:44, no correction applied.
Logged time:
11:41
